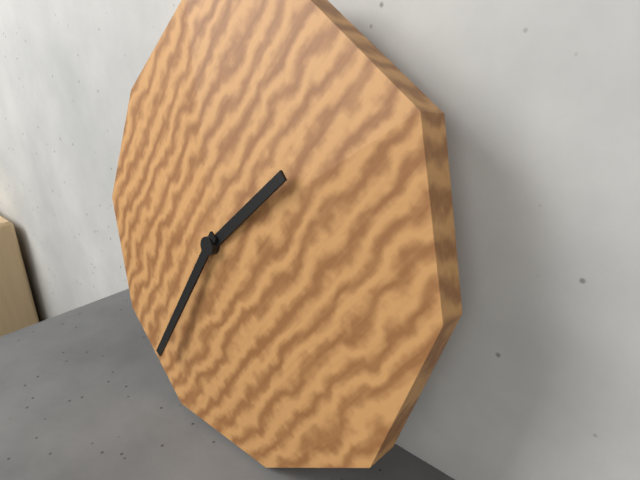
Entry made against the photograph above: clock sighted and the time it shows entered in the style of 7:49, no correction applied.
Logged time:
1:35
